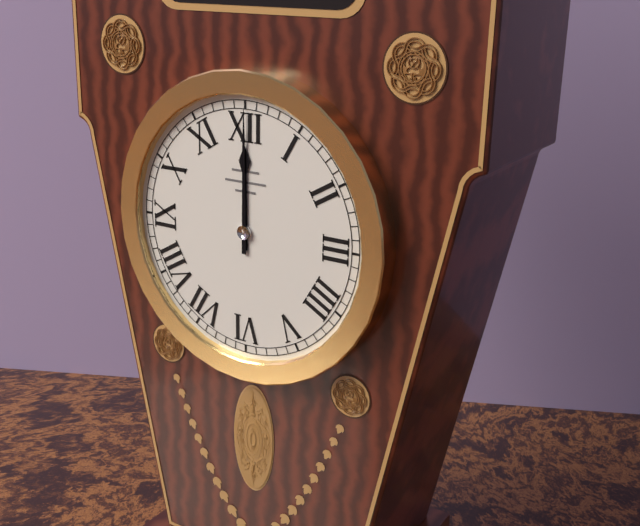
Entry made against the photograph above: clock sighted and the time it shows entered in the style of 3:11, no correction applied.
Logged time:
12:00
